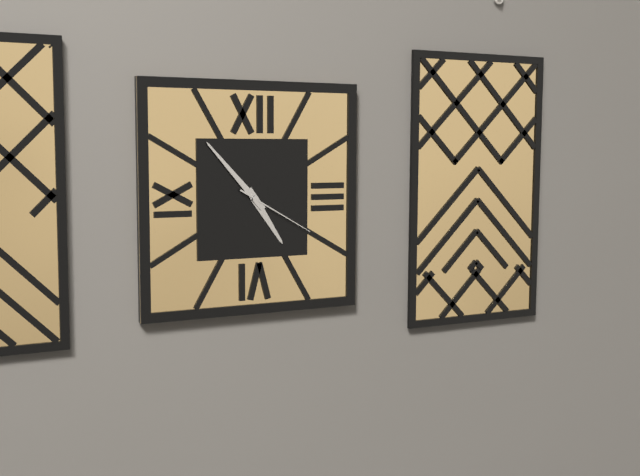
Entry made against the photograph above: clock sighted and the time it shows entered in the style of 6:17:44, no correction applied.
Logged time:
4:53:20
